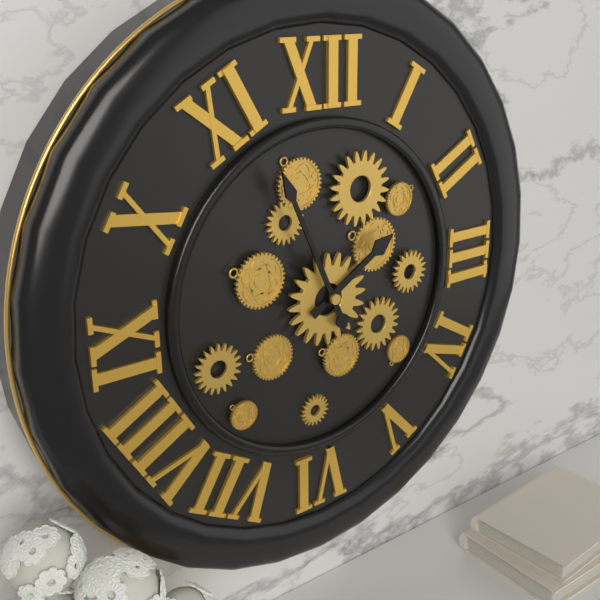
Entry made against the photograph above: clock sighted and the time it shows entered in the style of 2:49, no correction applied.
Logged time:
1:56
